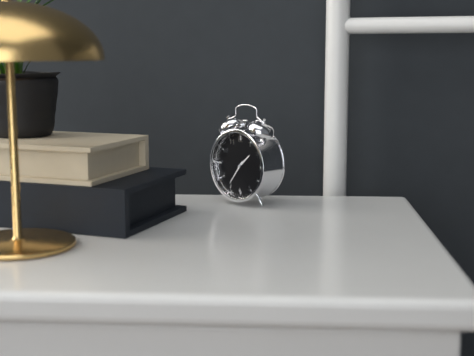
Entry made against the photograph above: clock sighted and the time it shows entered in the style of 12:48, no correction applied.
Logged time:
1:36
